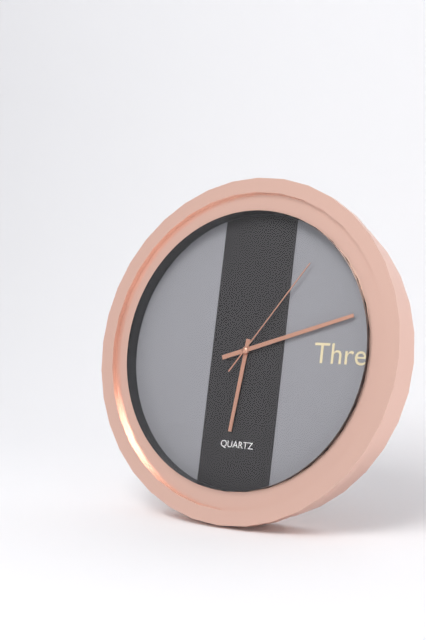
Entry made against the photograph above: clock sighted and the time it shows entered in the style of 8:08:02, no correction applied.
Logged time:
6:12:06
